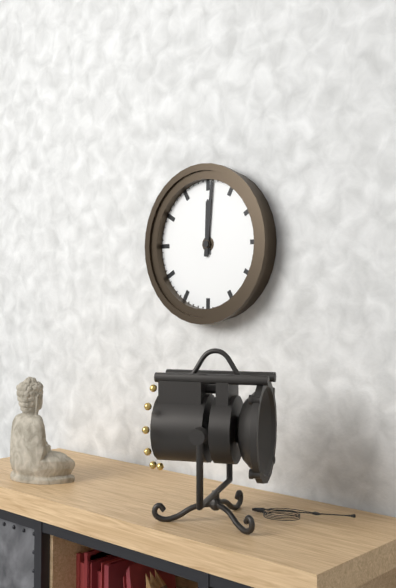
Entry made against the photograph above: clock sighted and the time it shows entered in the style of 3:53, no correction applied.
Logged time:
12:01
